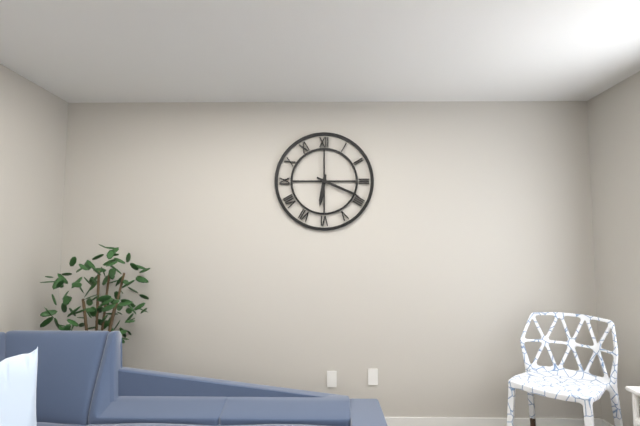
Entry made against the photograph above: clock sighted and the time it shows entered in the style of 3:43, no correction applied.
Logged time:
6:19
